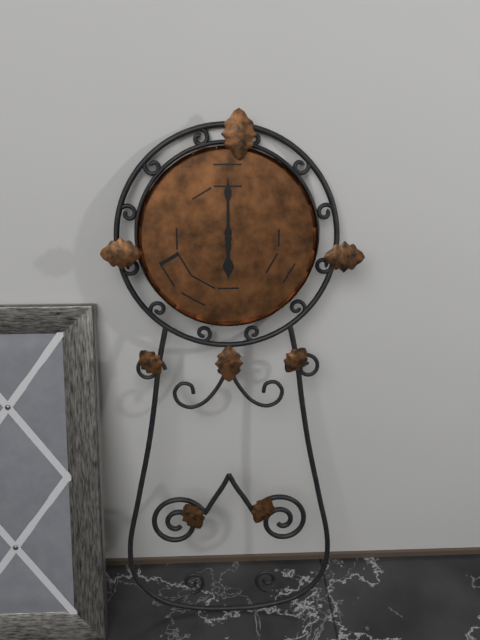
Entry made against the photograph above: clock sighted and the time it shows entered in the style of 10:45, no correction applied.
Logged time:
6:00
